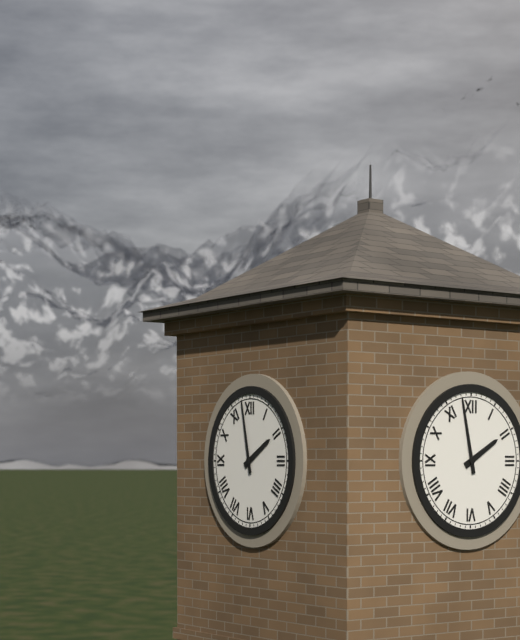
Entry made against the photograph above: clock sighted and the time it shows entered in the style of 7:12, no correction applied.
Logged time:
1:58
